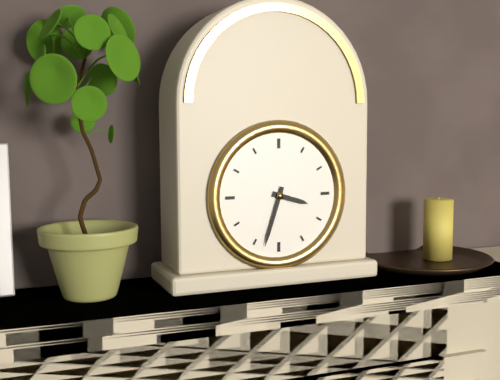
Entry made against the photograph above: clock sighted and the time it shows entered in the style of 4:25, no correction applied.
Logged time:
3:33
